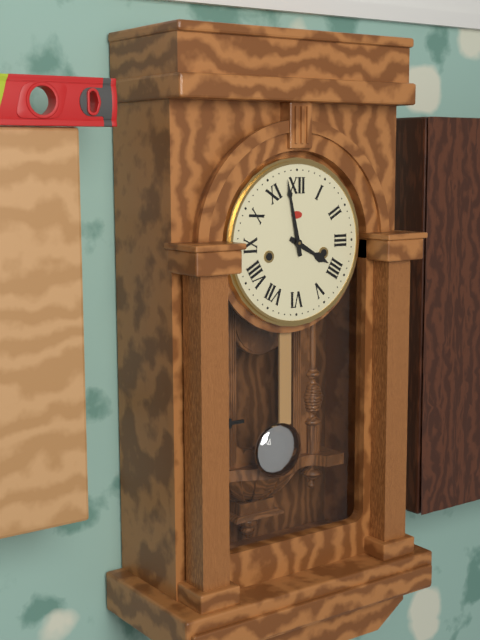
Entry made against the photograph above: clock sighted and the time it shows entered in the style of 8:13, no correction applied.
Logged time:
3:58
